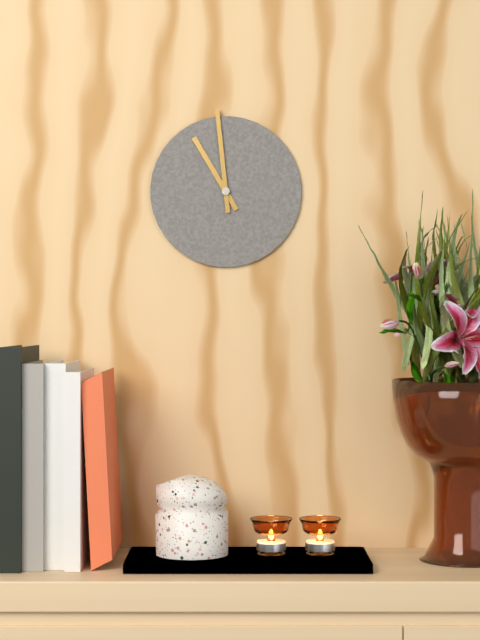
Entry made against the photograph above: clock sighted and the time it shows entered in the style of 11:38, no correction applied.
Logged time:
10:59
